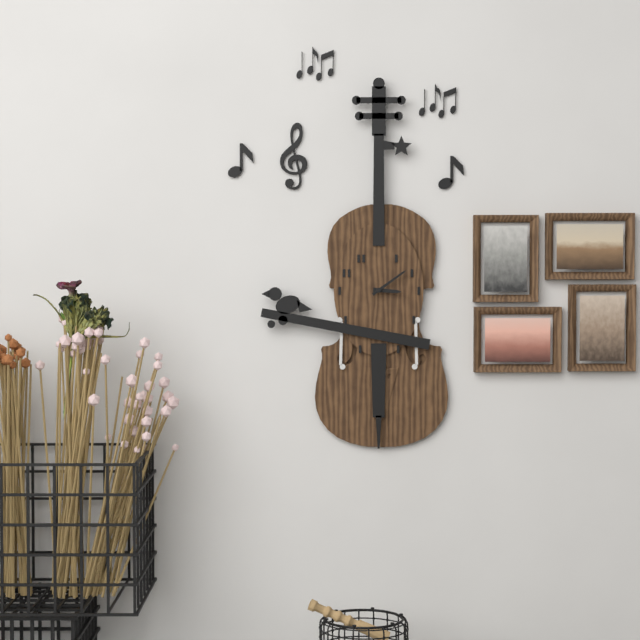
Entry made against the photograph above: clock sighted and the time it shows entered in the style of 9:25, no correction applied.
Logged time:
3:09
